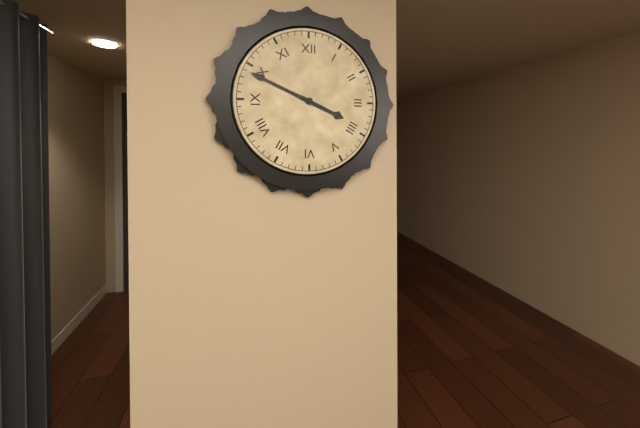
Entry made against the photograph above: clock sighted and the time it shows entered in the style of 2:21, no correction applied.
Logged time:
3:49
